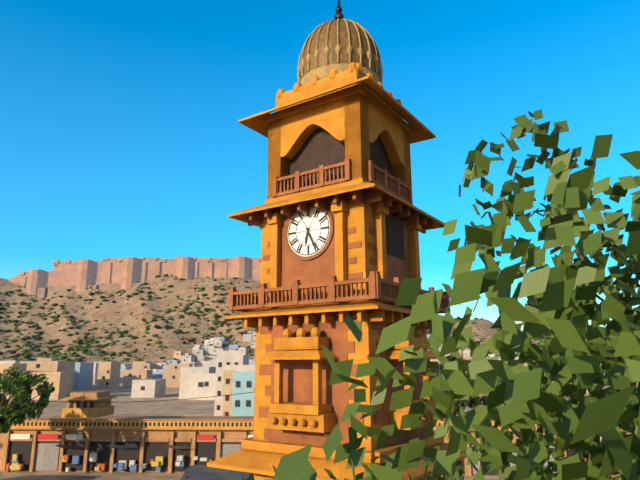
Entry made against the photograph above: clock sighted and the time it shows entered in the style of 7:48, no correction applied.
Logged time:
6:26
